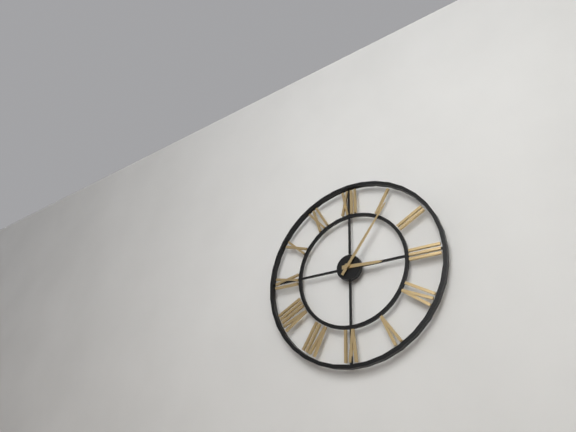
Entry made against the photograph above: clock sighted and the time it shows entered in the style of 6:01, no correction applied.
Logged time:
3:06
